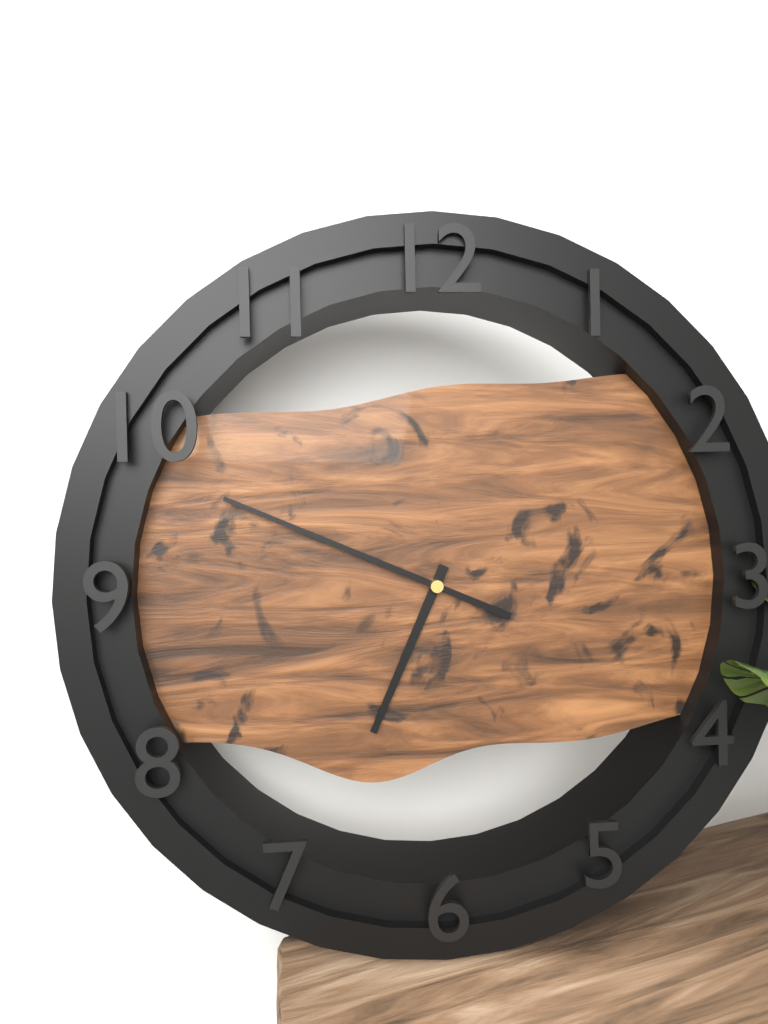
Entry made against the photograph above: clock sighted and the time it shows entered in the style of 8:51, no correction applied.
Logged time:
6:49
